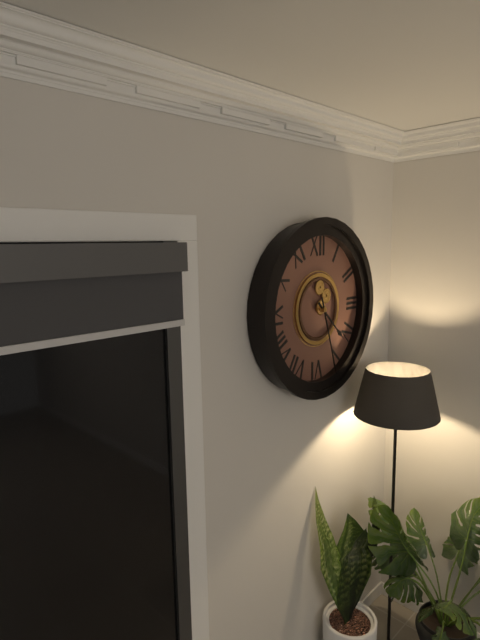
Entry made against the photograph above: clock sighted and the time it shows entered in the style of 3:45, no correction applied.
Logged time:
4:27
